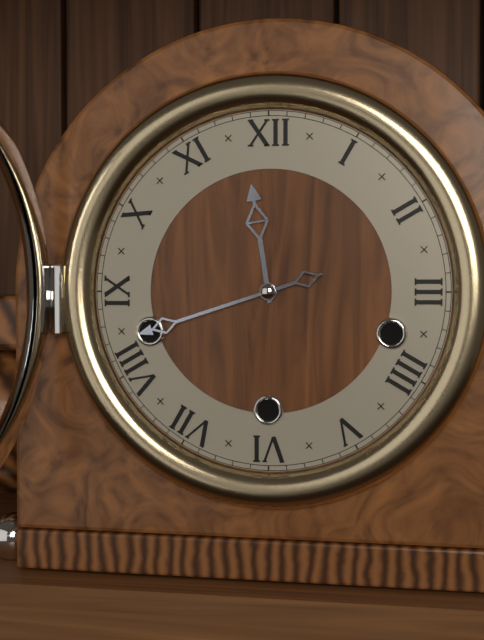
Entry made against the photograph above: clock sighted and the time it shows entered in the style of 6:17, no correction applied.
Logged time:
11:42
